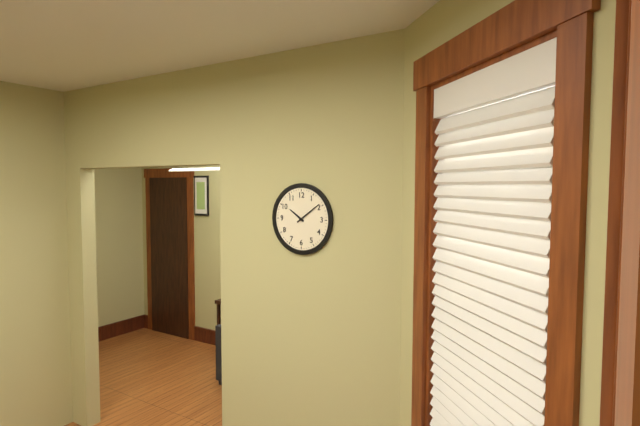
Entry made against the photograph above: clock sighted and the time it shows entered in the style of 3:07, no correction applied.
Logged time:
10:09
